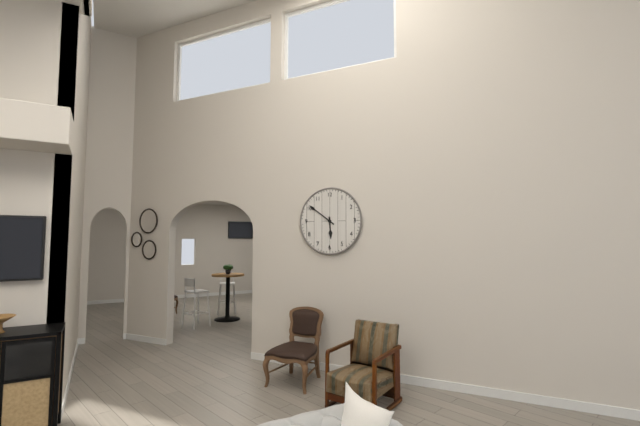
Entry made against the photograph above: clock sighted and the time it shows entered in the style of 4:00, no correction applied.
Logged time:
5:51
